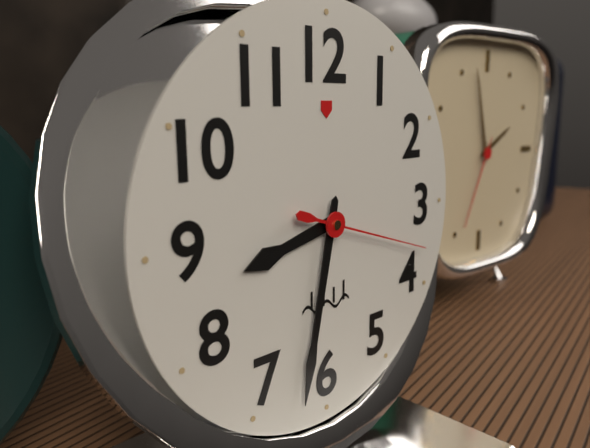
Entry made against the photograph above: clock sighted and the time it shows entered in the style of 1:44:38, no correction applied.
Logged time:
8:32:18
